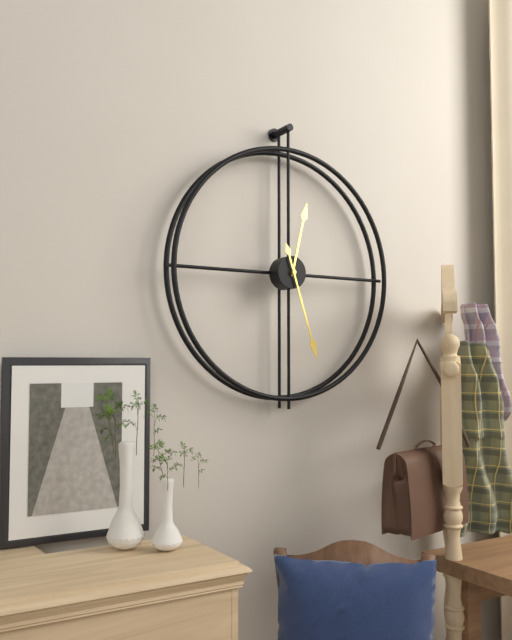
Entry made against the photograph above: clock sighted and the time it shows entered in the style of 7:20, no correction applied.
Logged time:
12:27
